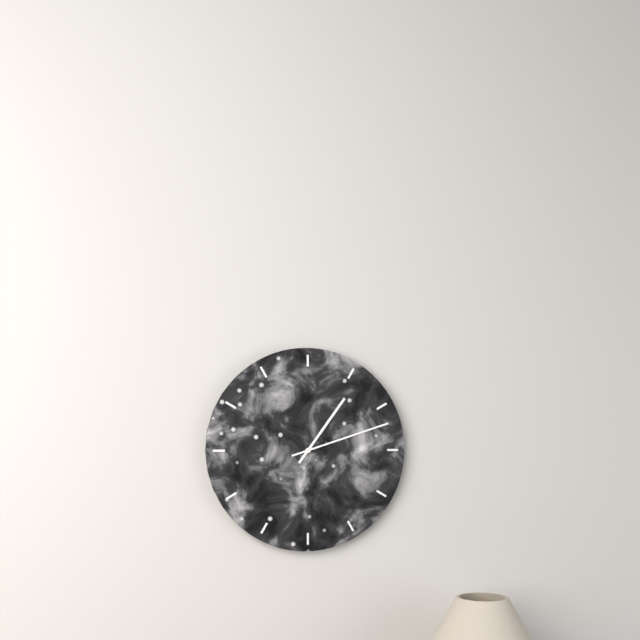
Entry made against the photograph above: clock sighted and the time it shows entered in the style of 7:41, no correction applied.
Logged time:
1:12
